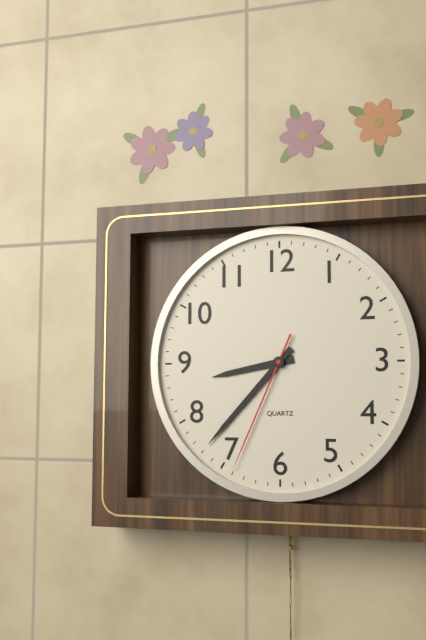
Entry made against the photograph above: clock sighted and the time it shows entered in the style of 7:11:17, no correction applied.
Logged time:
8:37:34
